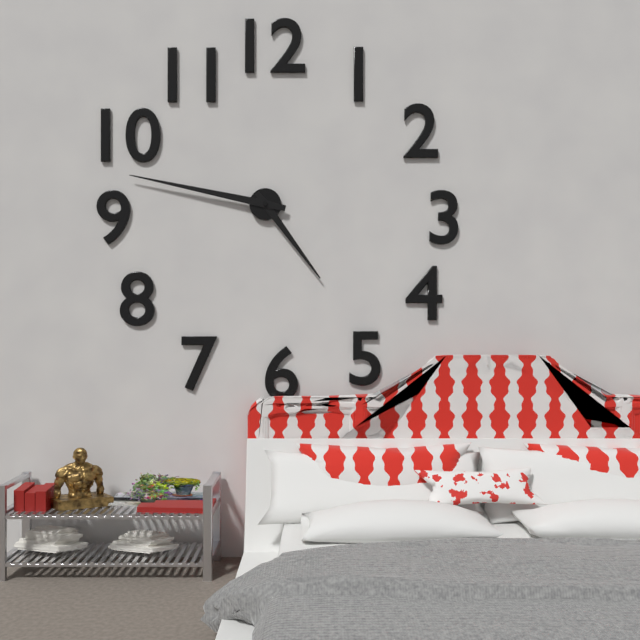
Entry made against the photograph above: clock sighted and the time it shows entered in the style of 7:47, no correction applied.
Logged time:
4:47
